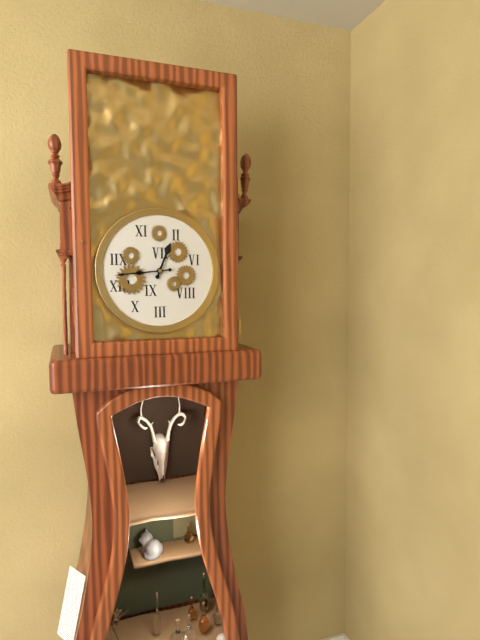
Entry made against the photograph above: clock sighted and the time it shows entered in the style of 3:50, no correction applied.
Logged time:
12:44
